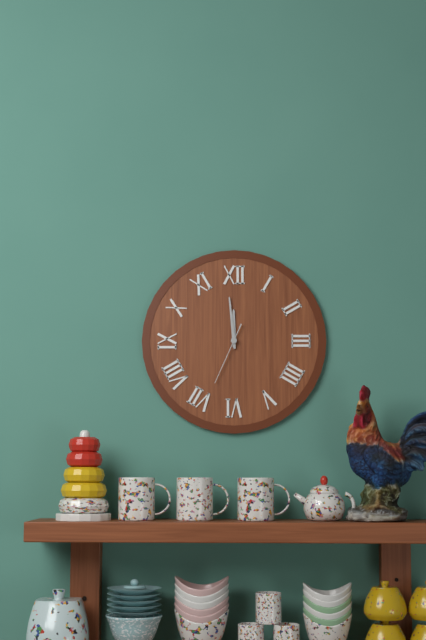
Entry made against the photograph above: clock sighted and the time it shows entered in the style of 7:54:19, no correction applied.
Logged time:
11:59:34
